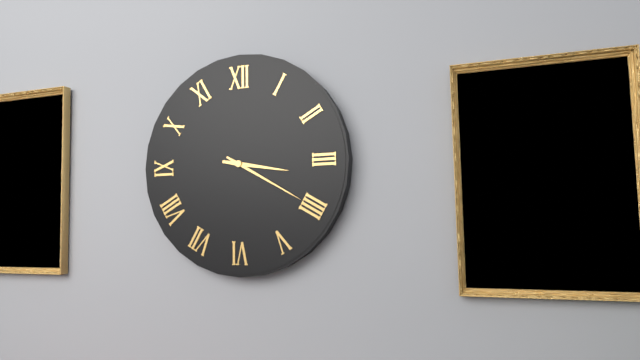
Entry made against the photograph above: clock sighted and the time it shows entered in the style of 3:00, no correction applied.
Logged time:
3:20
